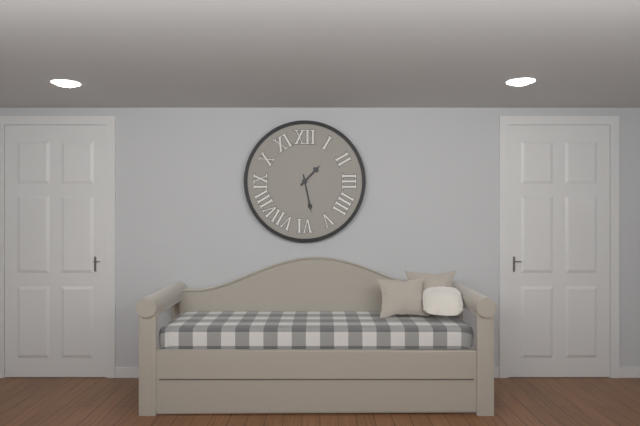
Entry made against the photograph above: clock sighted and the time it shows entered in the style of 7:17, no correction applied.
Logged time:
1:28
